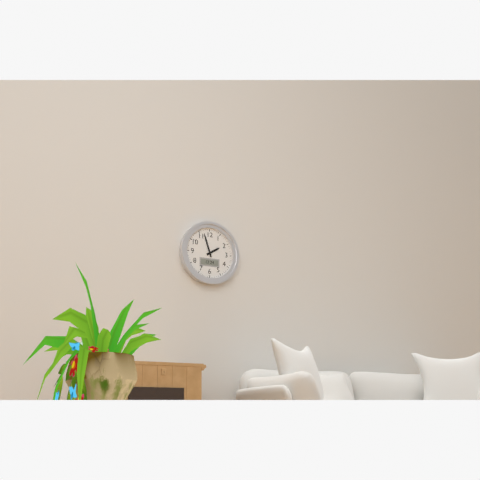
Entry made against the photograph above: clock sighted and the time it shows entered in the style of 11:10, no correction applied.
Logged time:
1:57
